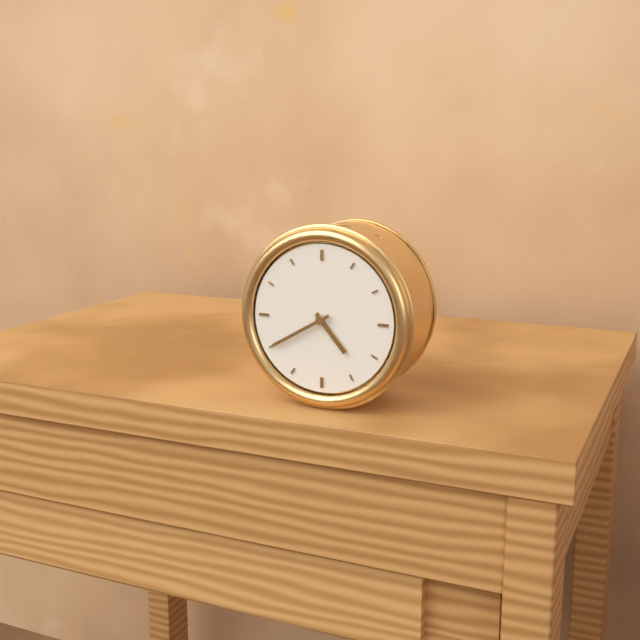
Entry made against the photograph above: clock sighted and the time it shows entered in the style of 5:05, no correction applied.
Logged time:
4:40
